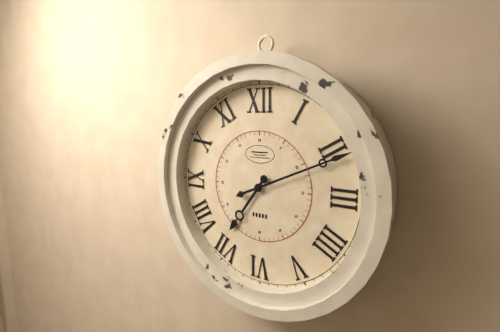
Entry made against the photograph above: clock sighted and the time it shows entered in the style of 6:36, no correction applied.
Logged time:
7:11
